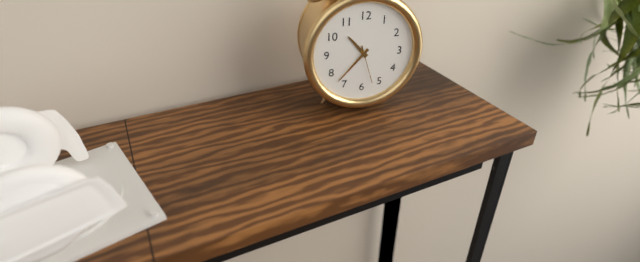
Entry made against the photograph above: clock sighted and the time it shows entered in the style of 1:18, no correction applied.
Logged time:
10:37
